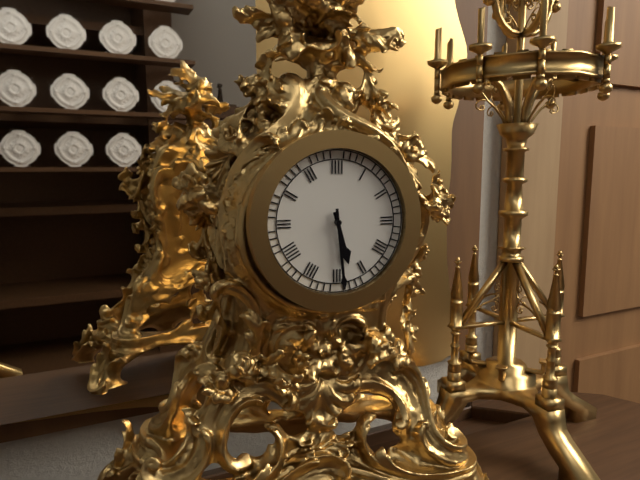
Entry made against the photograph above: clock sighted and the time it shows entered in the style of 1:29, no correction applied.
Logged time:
5:29
